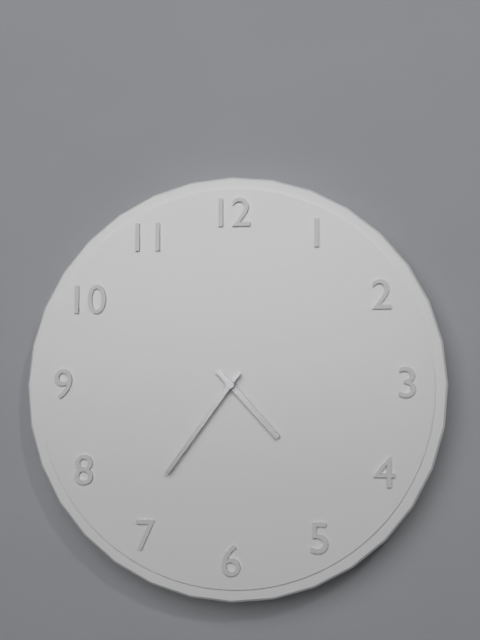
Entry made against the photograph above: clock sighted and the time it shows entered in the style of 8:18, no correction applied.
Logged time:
4:36
